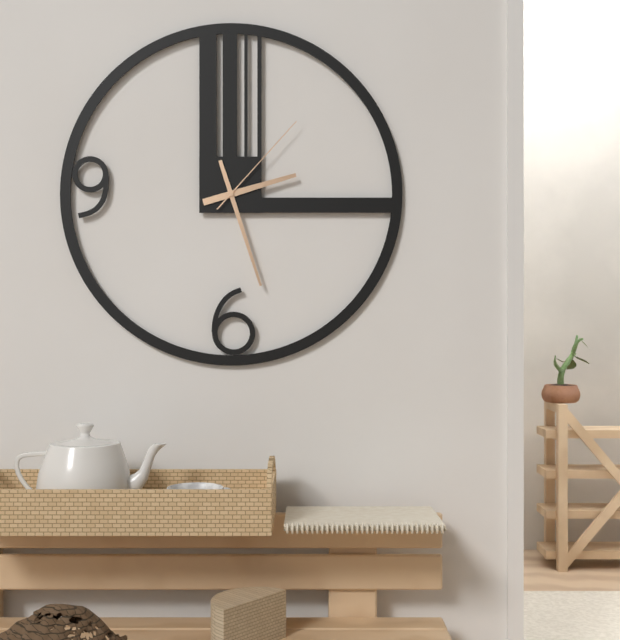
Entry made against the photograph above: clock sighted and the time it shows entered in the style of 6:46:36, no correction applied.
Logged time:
2:27:07
